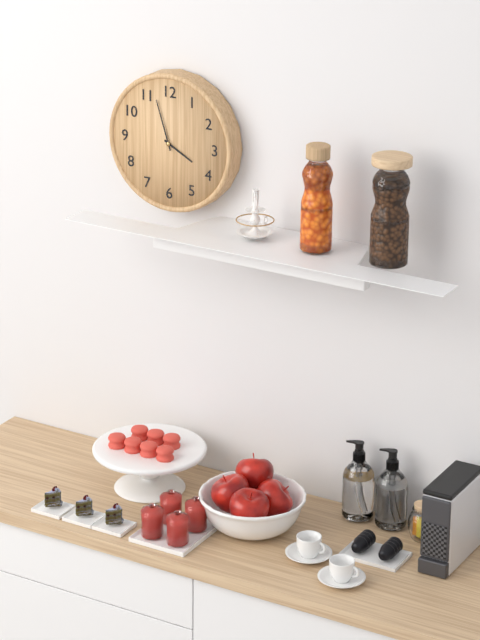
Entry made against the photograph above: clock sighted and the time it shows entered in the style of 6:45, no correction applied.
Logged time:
3:57
